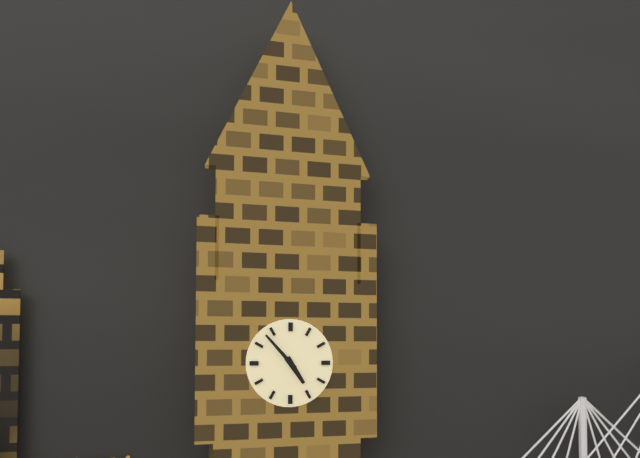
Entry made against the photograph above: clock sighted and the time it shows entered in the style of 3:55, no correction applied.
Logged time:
4:53
